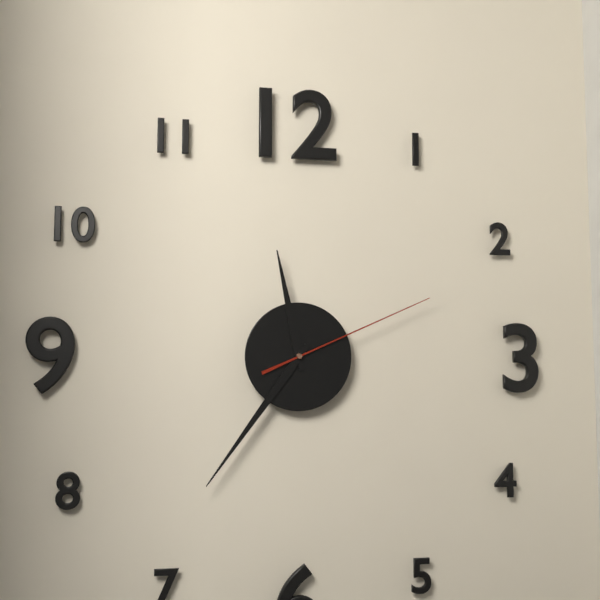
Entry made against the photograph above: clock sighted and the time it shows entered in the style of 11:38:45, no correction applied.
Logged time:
11:36:11
